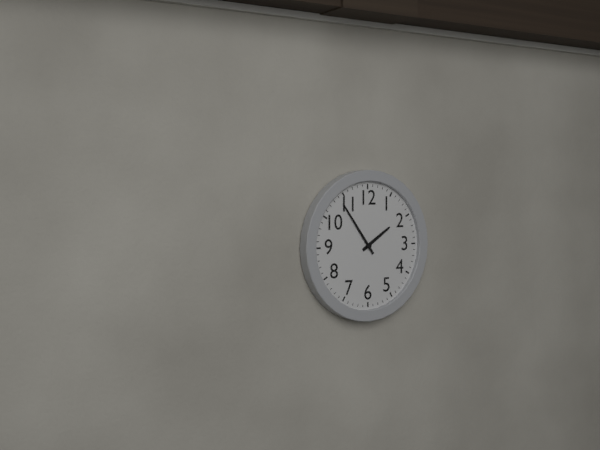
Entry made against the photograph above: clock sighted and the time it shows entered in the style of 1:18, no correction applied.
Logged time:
1:54
